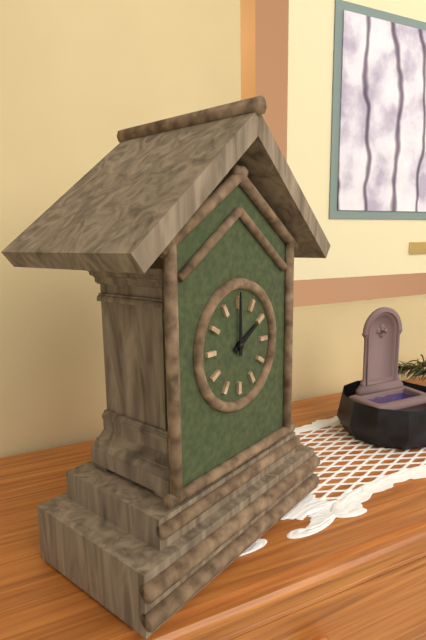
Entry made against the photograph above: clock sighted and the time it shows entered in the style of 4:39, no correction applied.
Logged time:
2:00
